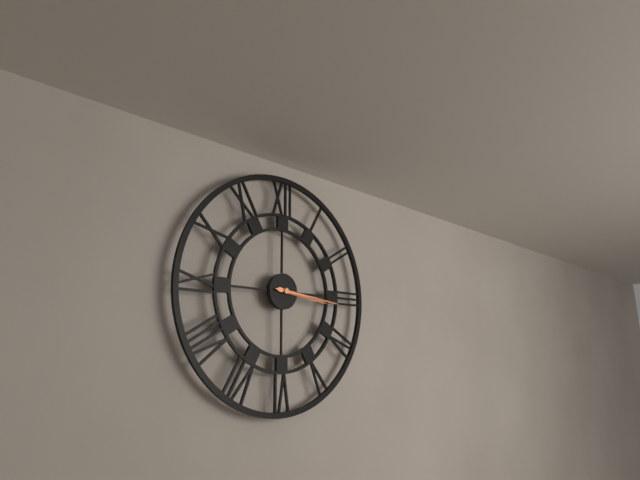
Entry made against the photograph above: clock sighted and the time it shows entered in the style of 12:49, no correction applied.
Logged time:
3:16
